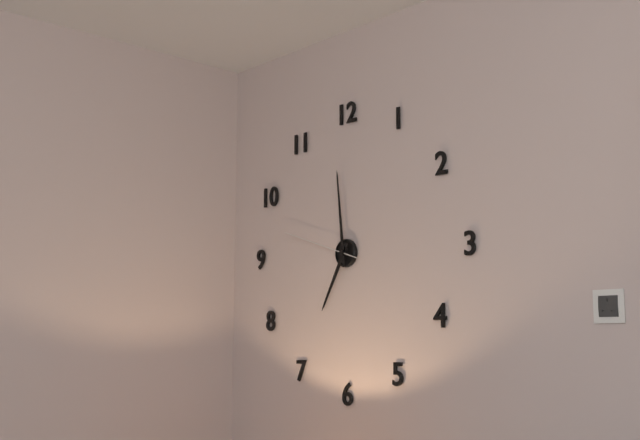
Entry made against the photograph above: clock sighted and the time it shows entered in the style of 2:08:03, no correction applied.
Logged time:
6:59:48
